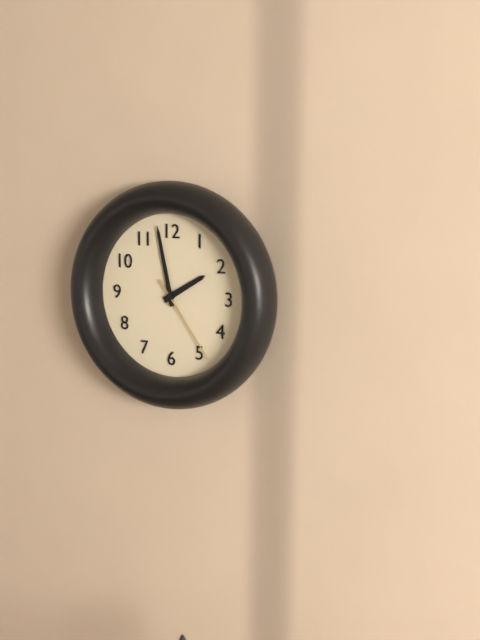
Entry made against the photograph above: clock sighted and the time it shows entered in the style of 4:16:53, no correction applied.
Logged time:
1:58:24
